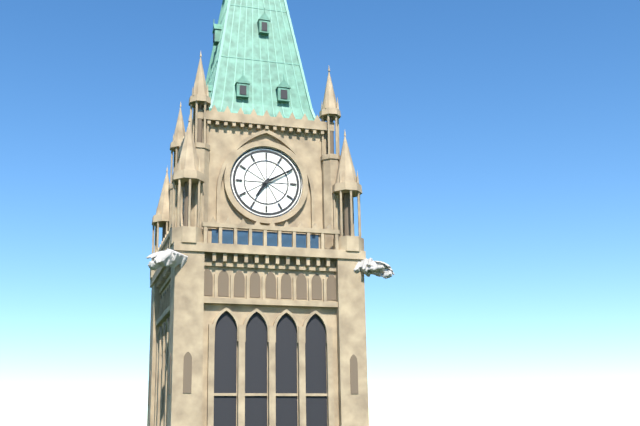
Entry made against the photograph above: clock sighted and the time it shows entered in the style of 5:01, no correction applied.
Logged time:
7:10
